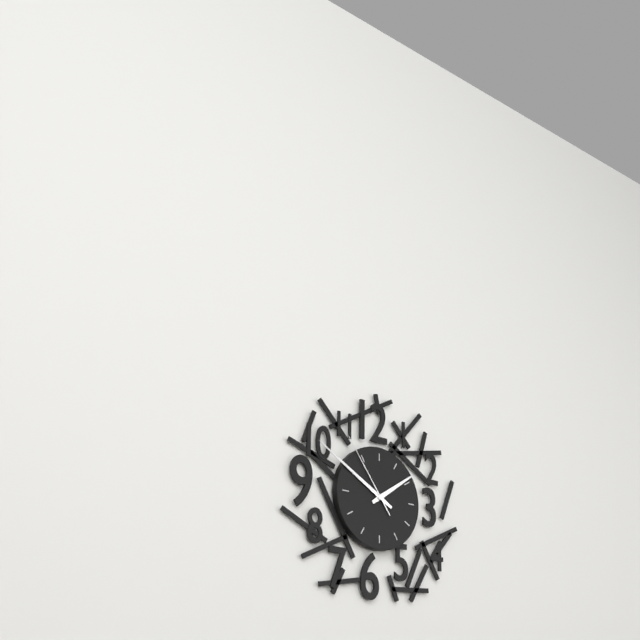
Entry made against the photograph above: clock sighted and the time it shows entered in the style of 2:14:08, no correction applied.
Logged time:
1:50:54
